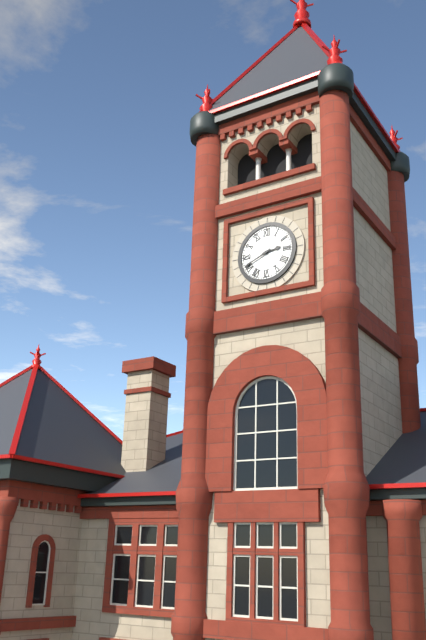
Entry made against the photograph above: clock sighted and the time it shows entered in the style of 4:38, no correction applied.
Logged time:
2:41
